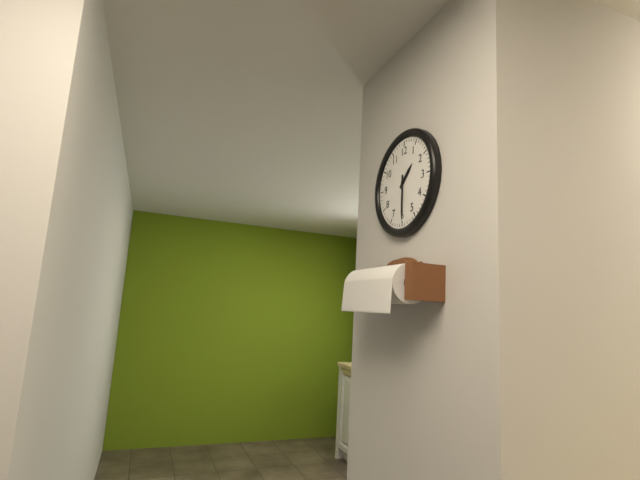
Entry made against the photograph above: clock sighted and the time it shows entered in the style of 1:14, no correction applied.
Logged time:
1:30
